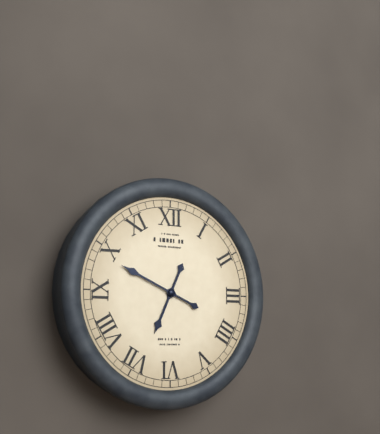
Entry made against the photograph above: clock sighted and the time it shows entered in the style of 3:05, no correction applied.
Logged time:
6:49
